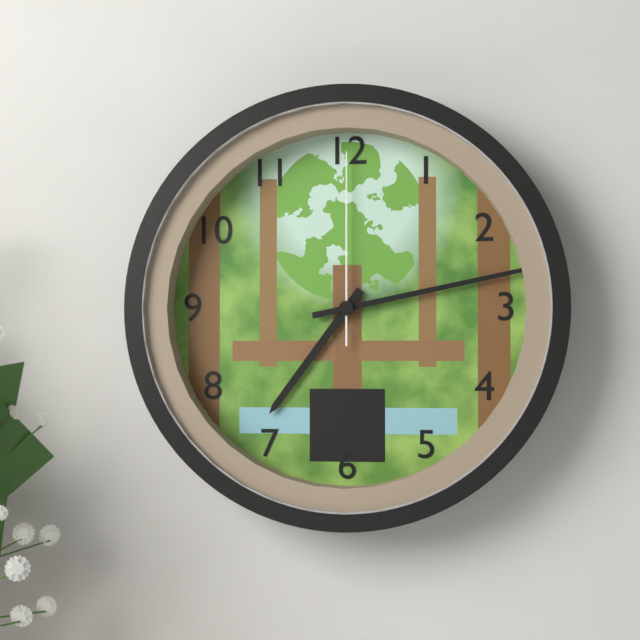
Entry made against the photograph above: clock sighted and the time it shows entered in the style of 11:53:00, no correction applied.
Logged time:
7:13:00
